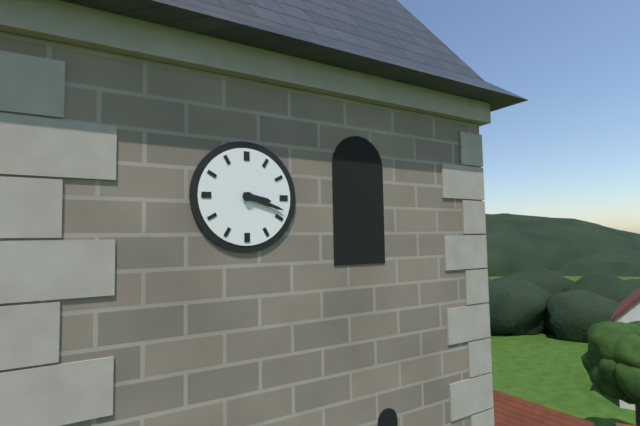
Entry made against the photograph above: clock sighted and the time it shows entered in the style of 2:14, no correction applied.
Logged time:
3:18
